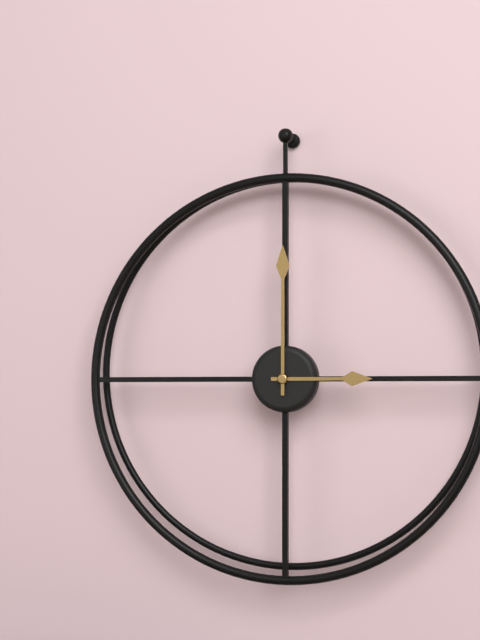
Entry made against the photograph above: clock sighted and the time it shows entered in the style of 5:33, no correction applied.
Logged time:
3:00
